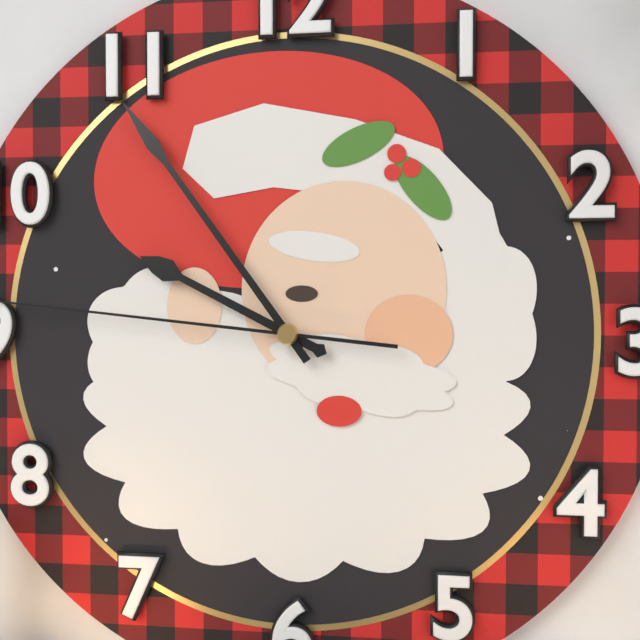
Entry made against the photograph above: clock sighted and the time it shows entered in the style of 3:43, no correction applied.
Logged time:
9:54
